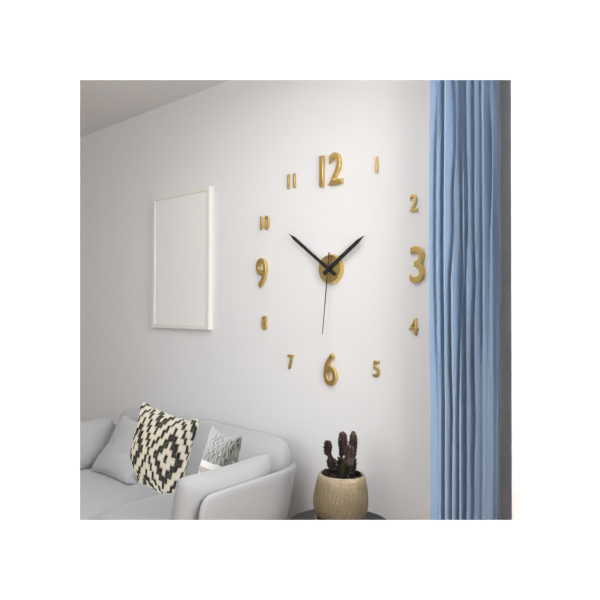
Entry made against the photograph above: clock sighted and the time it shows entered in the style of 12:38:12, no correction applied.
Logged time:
1:51:31
